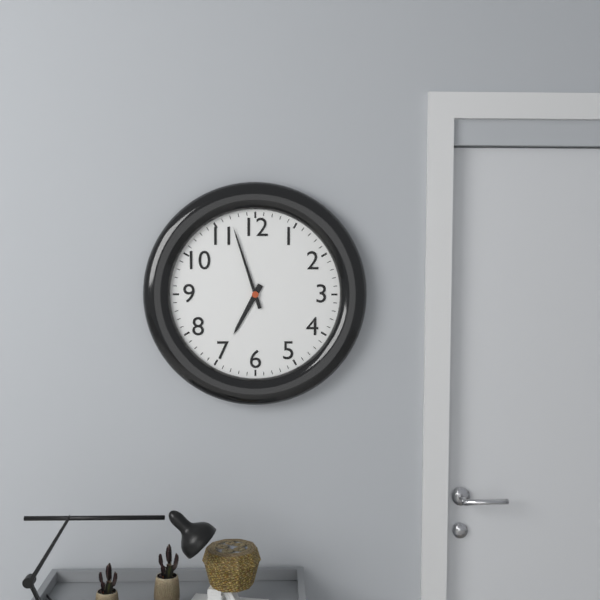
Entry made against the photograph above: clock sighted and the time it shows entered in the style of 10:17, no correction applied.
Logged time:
6:57
